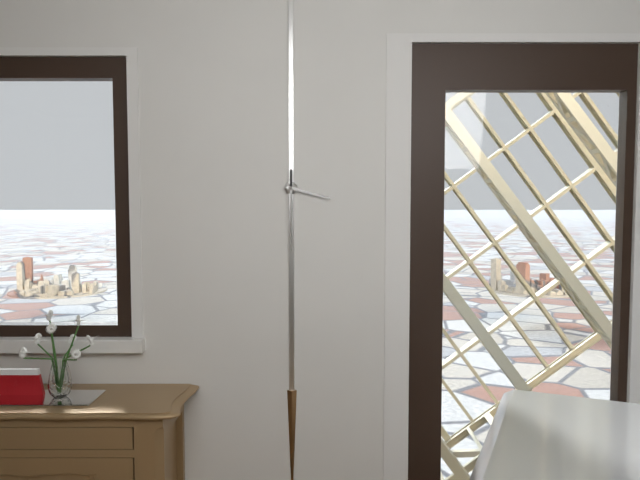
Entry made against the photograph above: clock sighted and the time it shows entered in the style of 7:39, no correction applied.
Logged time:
3:30
